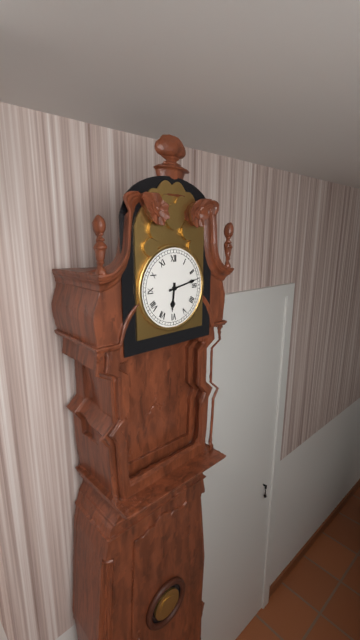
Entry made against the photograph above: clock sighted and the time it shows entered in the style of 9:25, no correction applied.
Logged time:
6:13
